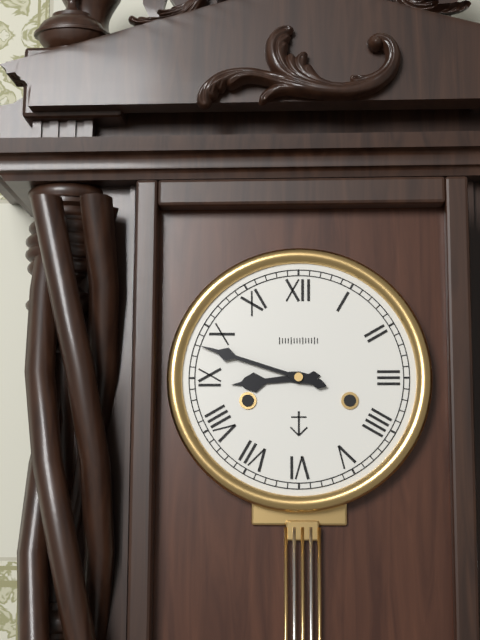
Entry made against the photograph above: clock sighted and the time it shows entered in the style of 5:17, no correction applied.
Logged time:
8:48
